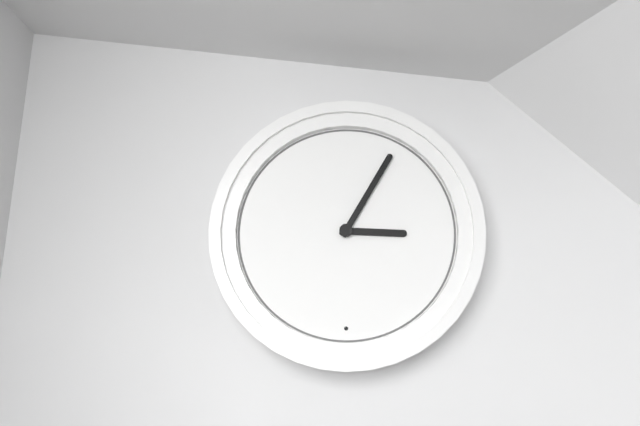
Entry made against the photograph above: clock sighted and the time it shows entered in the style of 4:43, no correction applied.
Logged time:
3:05
